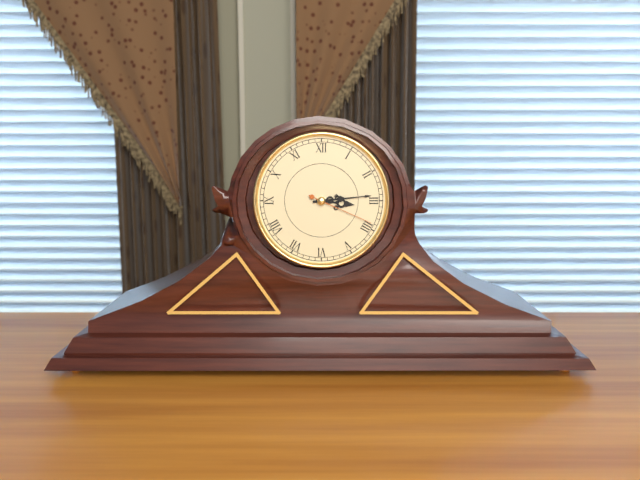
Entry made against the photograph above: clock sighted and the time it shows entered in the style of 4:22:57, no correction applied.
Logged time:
3:14:19
